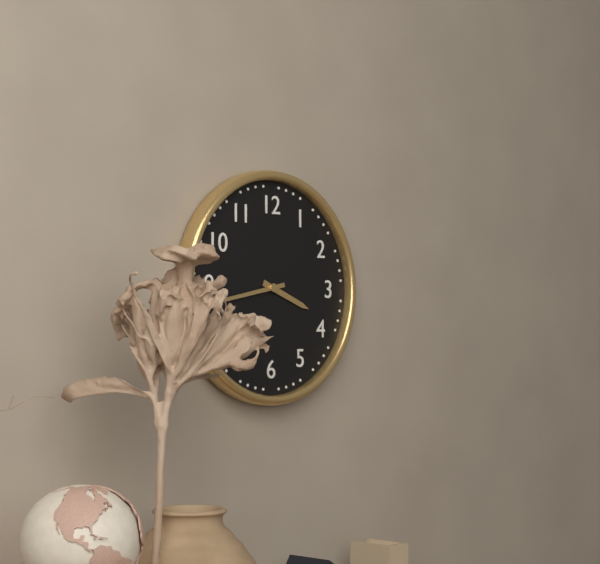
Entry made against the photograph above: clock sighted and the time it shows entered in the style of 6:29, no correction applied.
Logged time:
3:43
